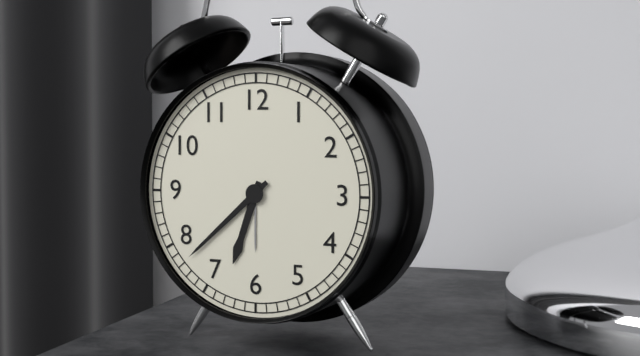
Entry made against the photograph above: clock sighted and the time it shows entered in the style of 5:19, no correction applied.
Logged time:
6:38
